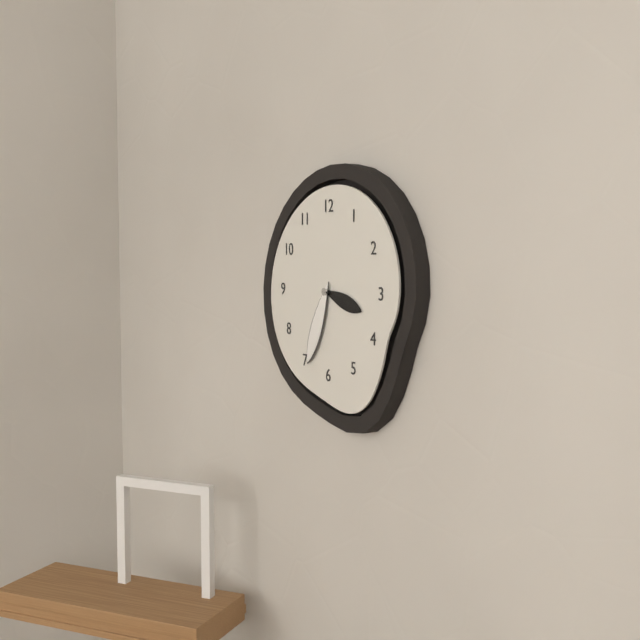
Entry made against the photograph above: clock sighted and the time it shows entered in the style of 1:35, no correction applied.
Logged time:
3:34
